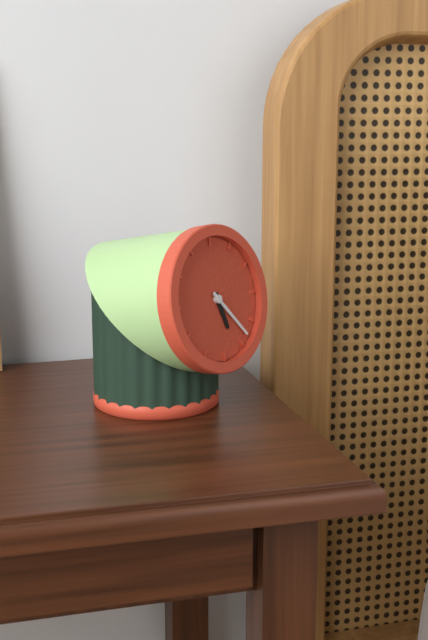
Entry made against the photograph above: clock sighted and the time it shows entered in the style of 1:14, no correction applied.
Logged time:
5:23
